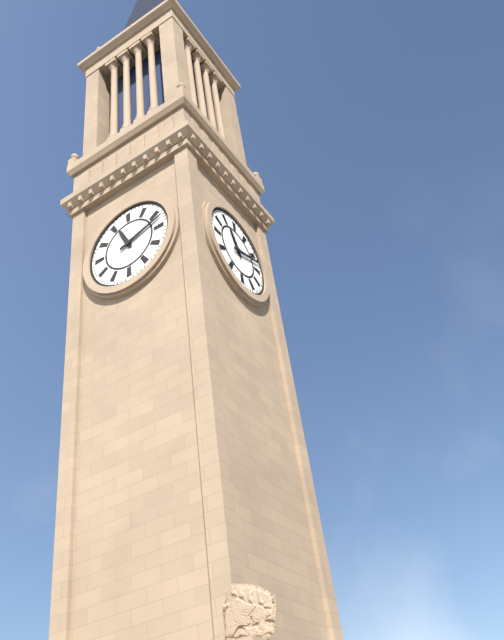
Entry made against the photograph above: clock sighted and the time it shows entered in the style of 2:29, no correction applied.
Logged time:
11:12
